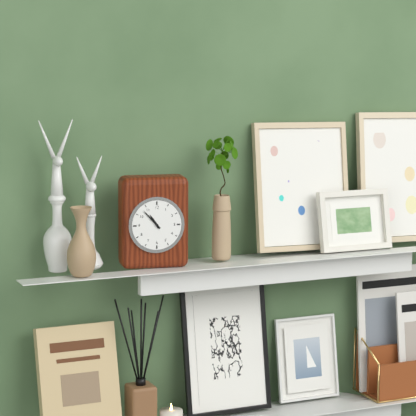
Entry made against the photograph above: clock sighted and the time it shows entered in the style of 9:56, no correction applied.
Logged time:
10:53
